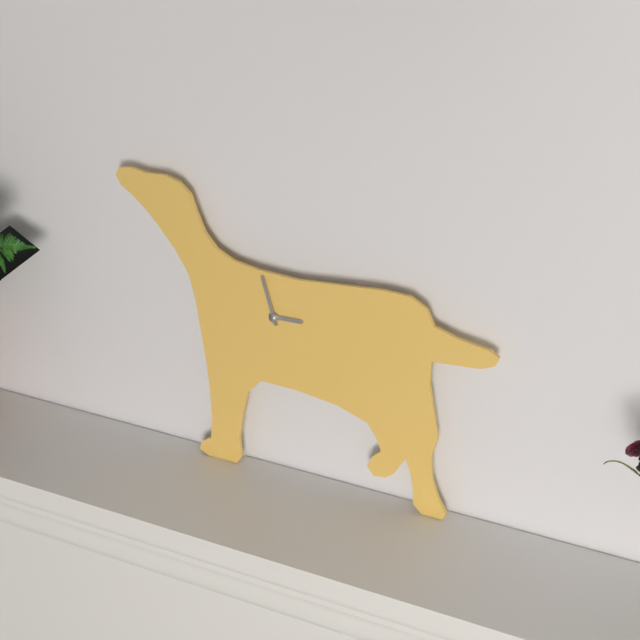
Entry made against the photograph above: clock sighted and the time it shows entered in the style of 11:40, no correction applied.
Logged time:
2:57
